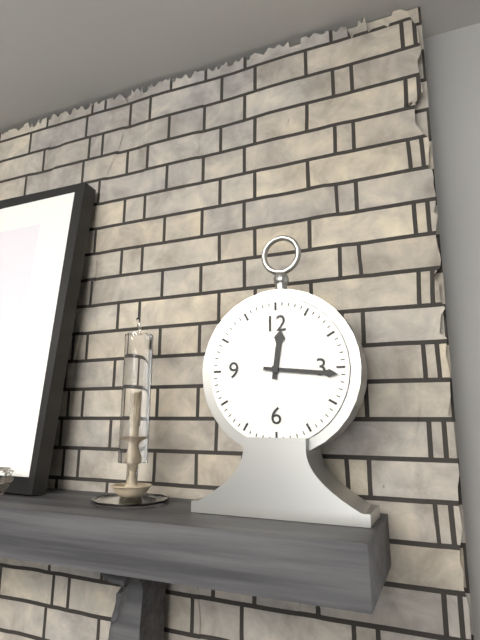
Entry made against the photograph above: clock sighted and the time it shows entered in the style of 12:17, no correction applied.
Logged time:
12:16
